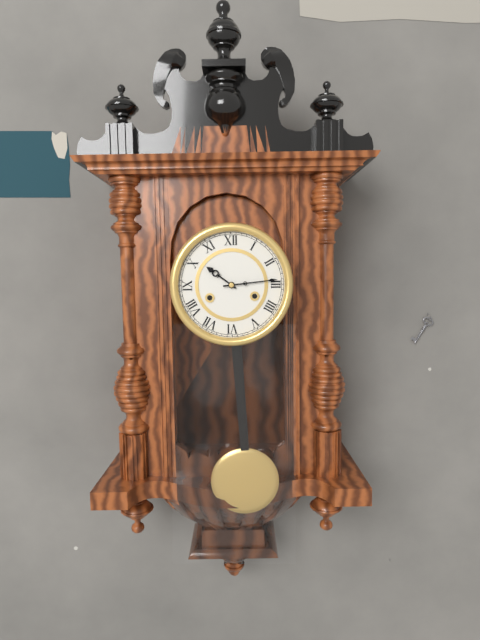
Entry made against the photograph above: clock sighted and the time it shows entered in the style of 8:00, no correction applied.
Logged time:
10:14
